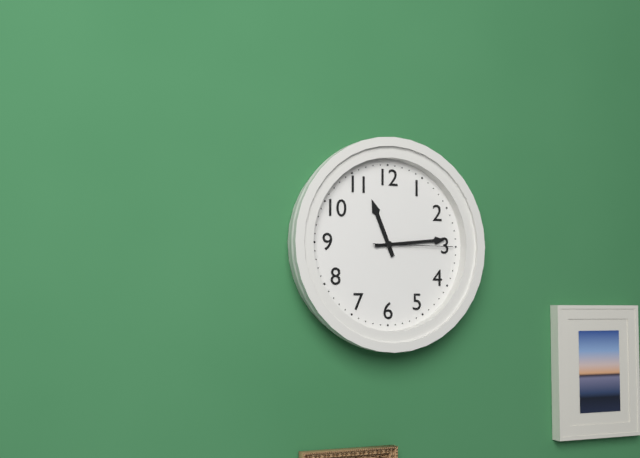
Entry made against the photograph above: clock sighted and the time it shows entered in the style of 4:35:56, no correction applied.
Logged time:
11:14:15
